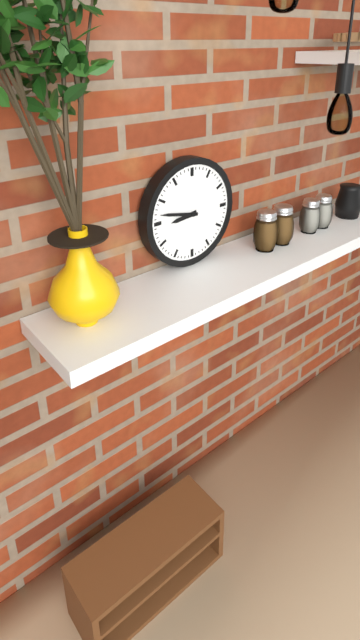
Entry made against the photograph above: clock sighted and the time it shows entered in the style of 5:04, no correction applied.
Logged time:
8:47
